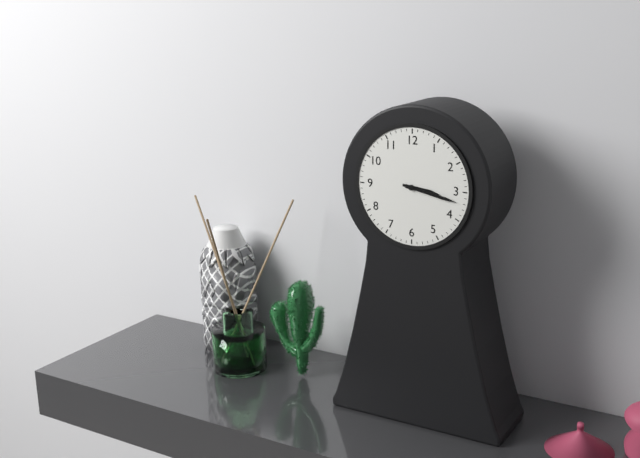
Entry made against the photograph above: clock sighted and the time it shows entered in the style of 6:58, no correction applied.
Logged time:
3:17
